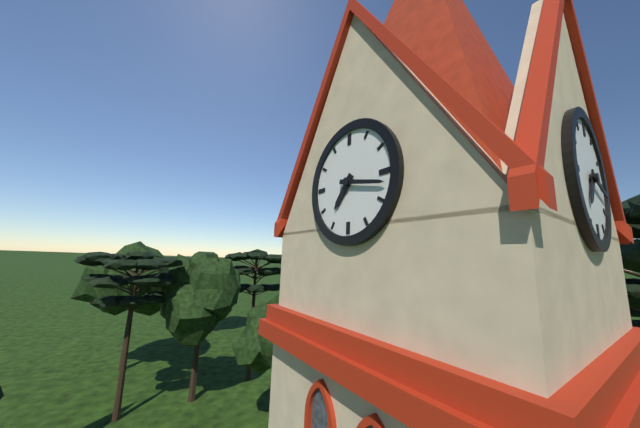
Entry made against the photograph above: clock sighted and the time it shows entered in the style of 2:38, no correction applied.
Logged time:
7:17
